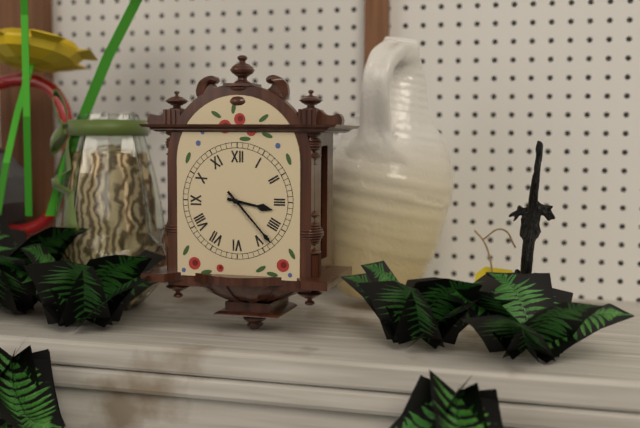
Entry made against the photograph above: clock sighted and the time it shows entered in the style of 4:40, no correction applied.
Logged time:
3:23
